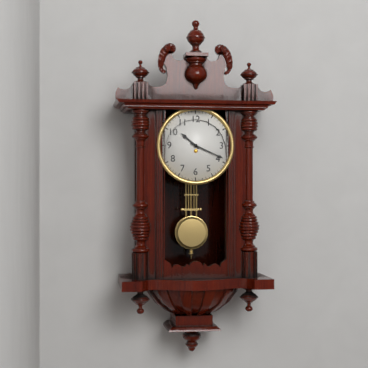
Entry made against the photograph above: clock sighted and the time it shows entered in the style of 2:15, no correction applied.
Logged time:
10:19
